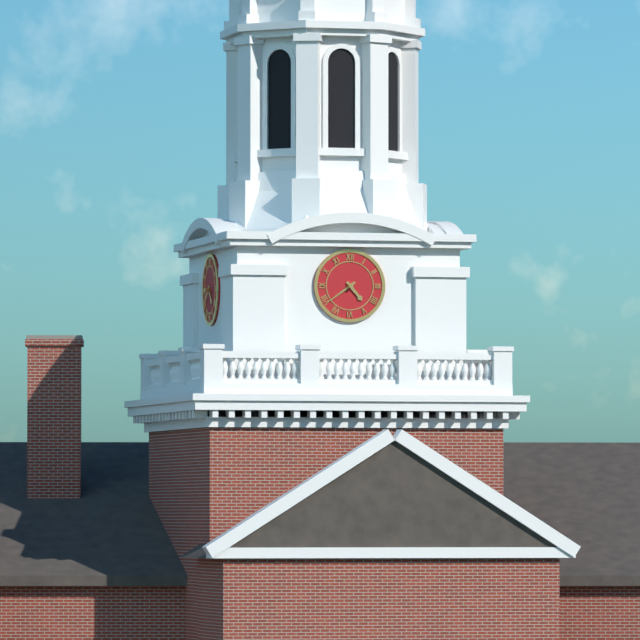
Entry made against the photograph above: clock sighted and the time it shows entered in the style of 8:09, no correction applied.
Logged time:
4:39
